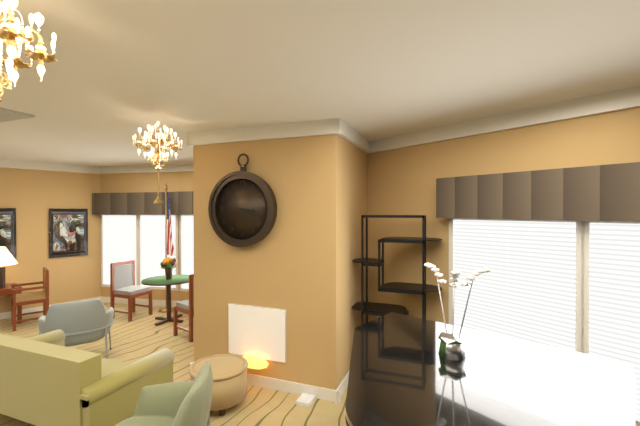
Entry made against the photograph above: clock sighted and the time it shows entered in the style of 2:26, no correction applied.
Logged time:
3:19
